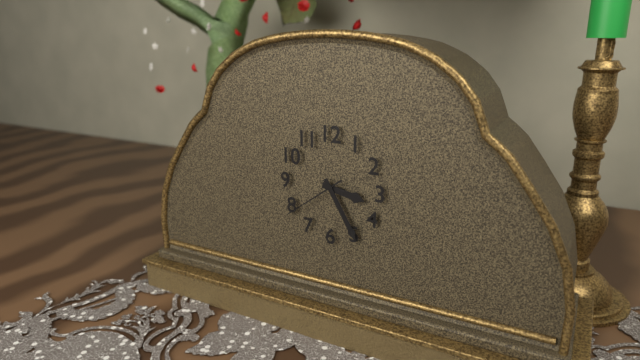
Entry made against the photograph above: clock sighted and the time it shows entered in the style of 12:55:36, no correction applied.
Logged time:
3:25:39
